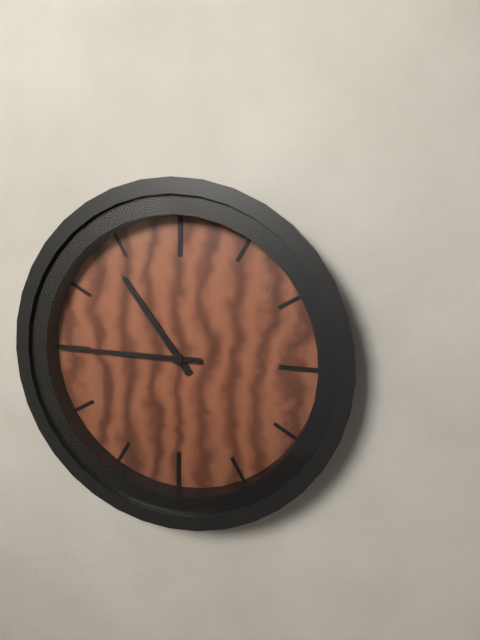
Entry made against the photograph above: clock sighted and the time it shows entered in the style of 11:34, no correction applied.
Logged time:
10:45
